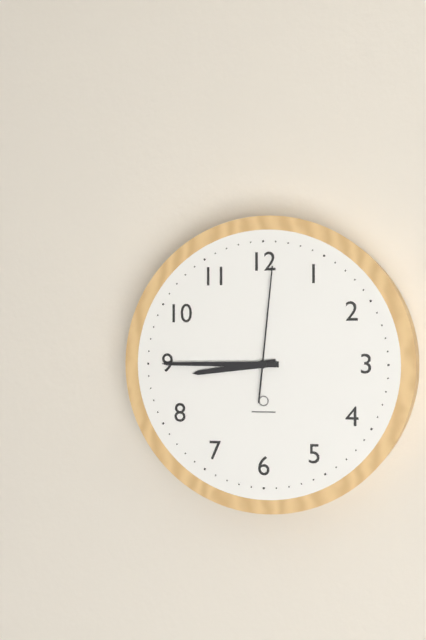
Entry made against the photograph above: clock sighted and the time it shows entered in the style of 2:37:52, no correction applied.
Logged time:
8:45:01
